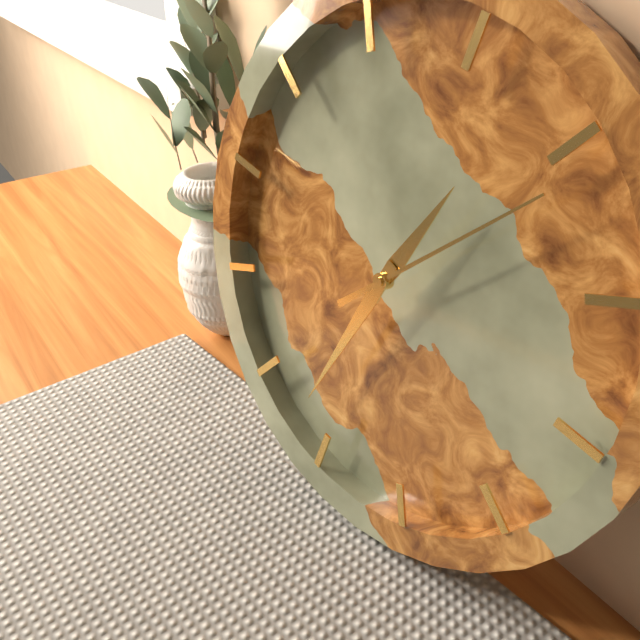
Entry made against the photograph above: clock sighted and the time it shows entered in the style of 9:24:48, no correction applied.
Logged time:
12:32:06
